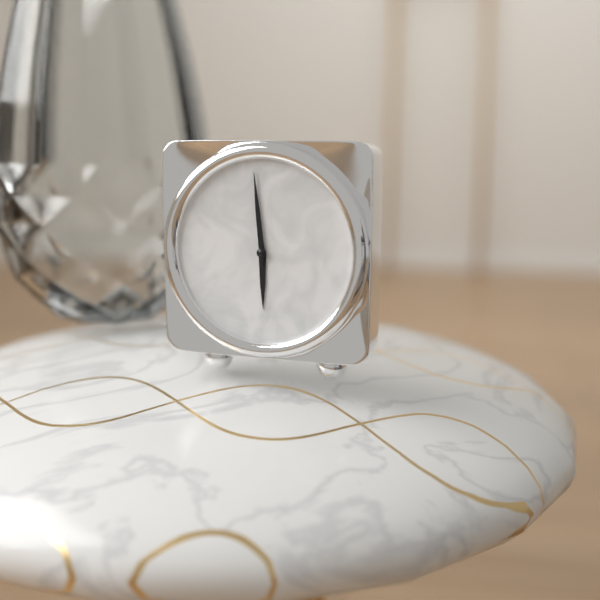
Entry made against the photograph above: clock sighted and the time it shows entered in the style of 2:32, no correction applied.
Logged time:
5:59
